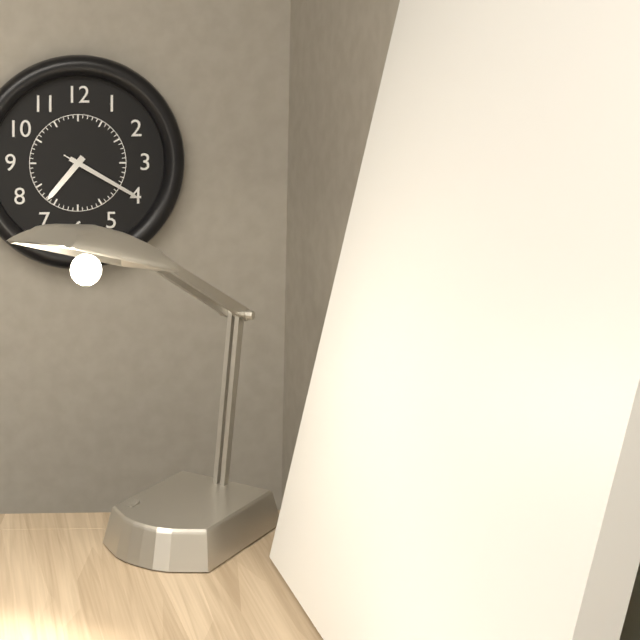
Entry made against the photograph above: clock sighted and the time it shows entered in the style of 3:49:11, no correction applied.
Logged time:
7:20:20
